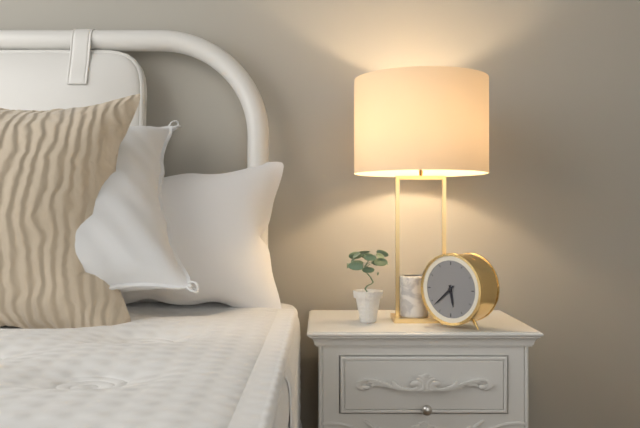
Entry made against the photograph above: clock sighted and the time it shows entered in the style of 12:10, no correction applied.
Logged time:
5:38
